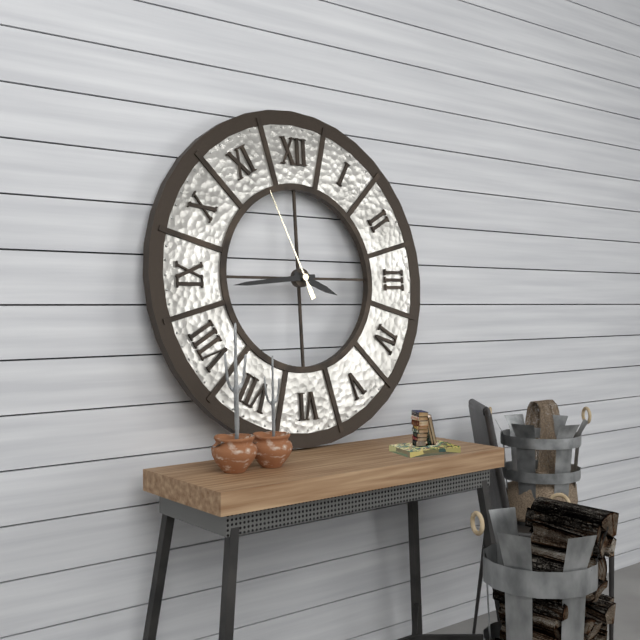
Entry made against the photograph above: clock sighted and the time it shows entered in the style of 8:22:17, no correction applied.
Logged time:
3:44:56
